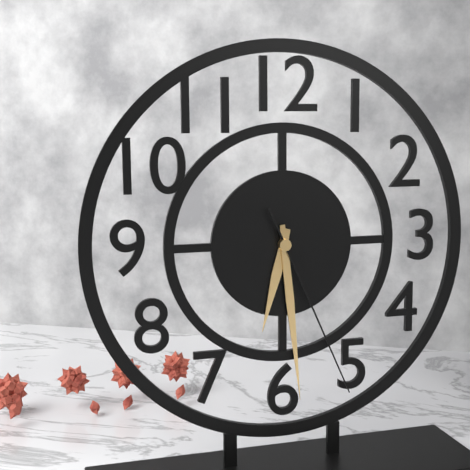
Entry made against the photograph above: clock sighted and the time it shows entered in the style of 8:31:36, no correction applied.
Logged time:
6:29:26
